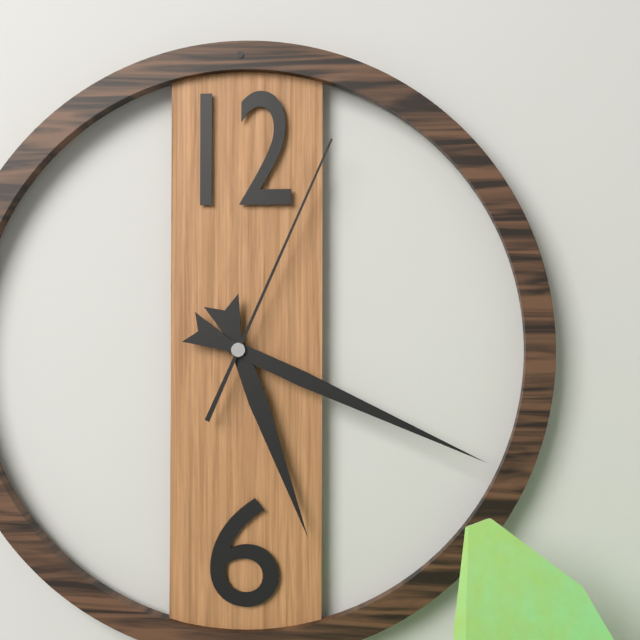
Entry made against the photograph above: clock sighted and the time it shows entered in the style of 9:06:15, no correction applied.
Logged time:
5:19:04
